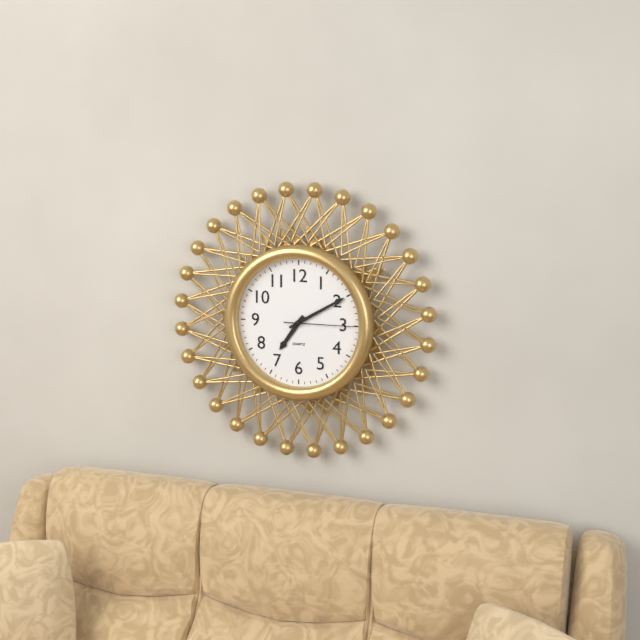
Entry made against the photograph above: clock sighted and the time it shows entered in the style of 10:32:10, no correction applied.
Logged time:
7:10:15
